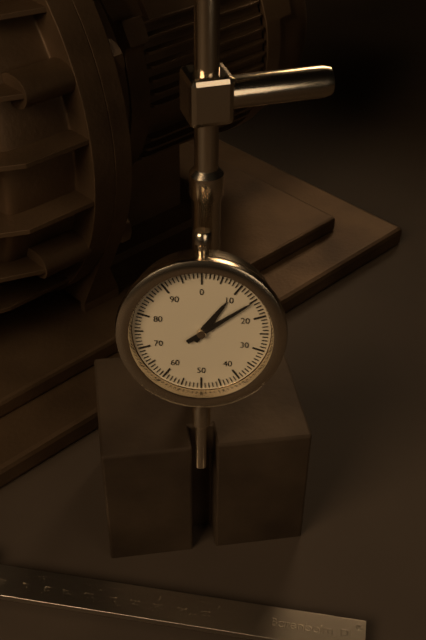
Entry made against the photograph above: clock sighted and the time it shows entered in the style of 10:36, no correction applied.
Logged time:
1:09
